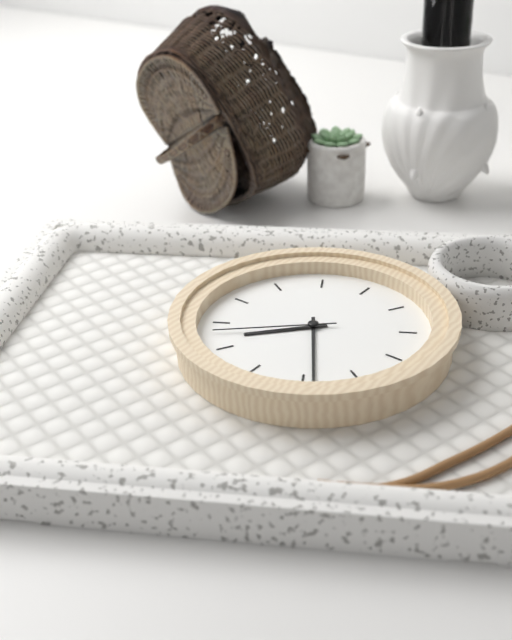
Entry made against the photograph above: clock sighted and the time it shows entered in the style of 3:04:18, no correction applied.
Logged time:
7:24:38
